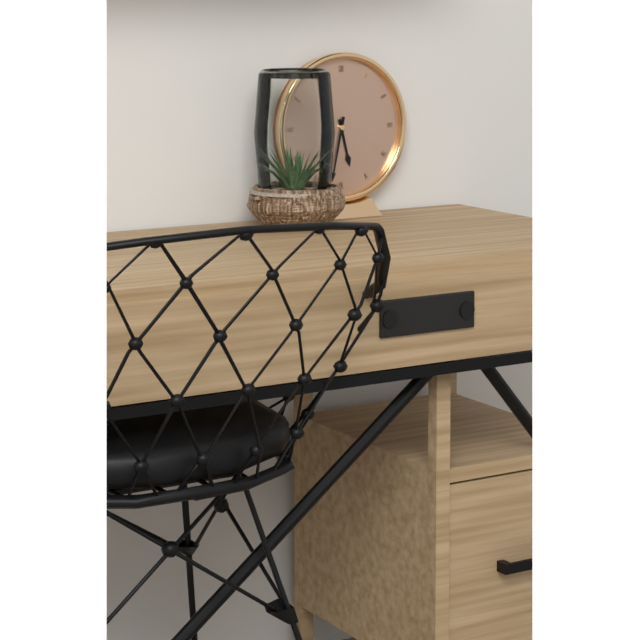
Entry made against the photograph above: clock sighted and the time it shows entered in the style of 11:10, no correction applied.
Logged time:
5:32
